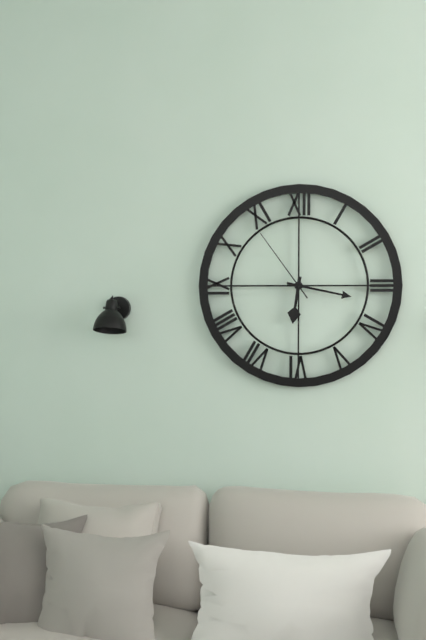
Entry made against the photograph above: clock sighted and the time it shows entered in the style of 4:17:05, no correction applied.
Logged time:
6:17:54
